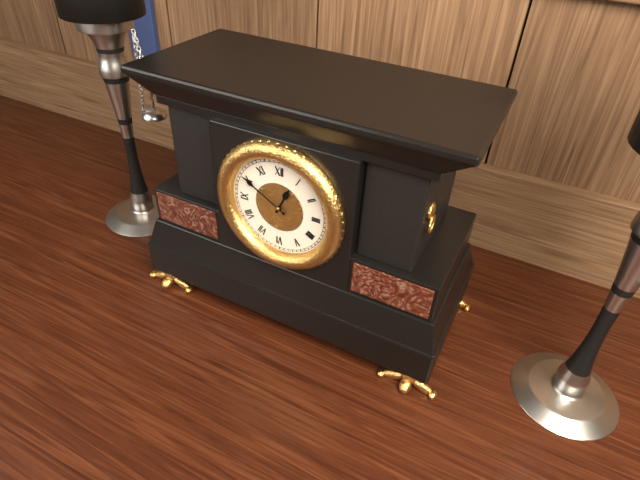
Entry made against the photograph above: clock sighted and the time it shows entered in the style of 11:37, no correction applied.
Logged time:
12:50
